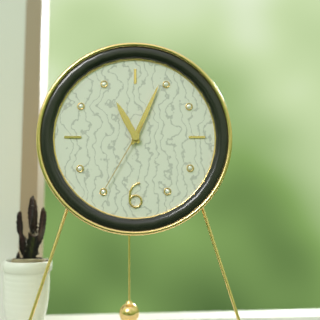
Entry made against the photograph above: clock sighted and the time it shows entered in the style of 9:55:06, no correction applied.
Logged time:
11:04:35
